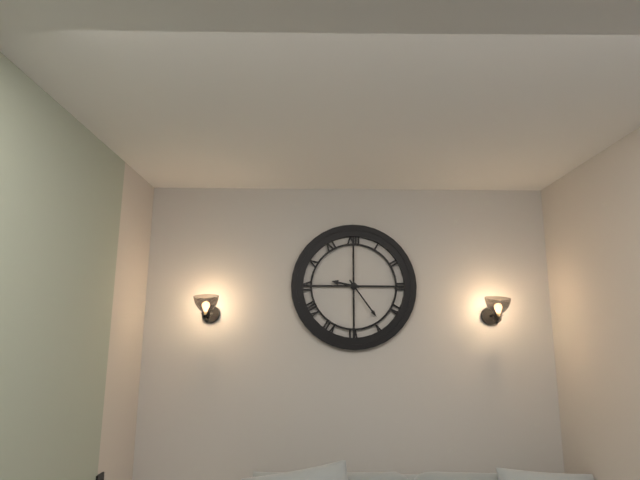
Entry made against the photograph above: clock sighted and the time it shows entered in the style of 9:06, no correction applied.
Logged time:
9:24
